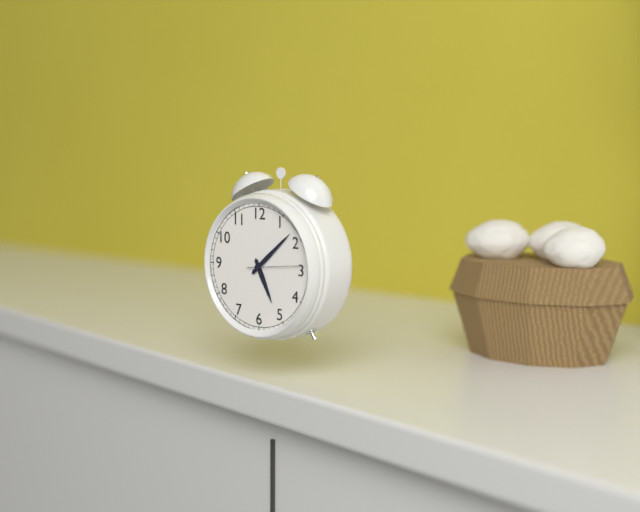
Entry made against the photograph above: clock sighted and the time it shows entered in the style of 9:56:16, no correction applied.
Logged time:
5:08:14
